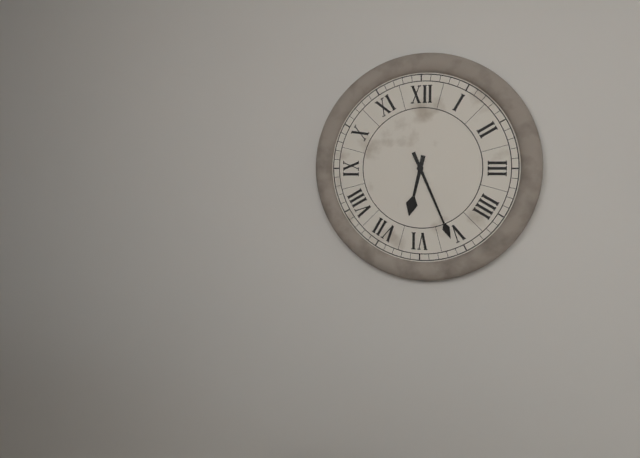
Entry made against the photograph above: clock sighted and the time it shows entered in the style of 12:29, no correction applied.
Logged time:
6:26
